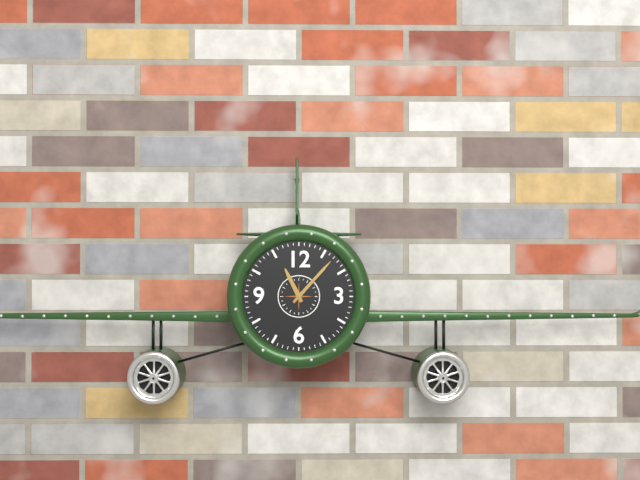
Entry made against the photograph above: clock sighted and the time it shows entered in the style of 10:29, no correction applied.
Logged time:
11:07
